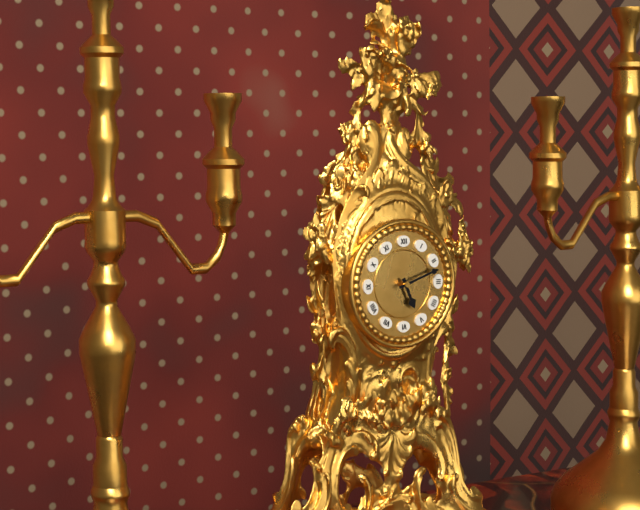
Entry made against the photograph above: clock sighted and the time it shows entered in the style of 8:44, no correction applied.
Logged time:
5:12
